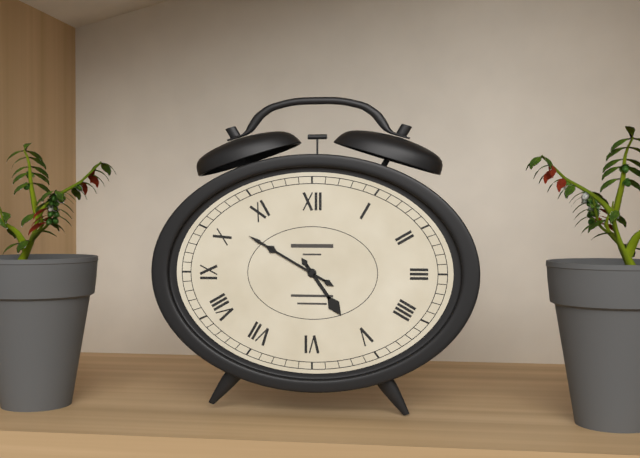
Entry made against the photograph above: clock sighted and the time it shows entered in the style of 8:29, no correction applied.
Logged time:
4:50
